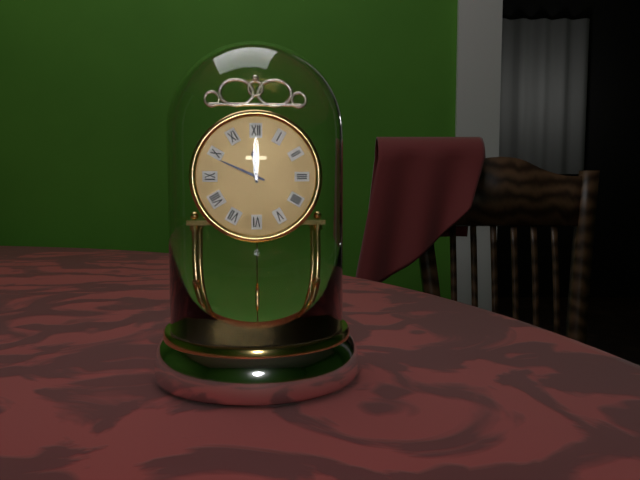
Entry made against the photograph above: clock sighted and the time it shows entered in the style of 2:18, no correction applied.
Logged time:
11:49
